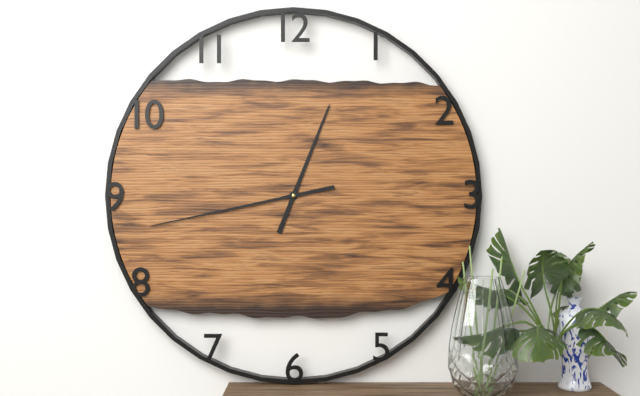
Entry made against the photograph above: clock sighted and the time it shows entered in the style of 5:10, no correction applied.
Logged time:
12:43
